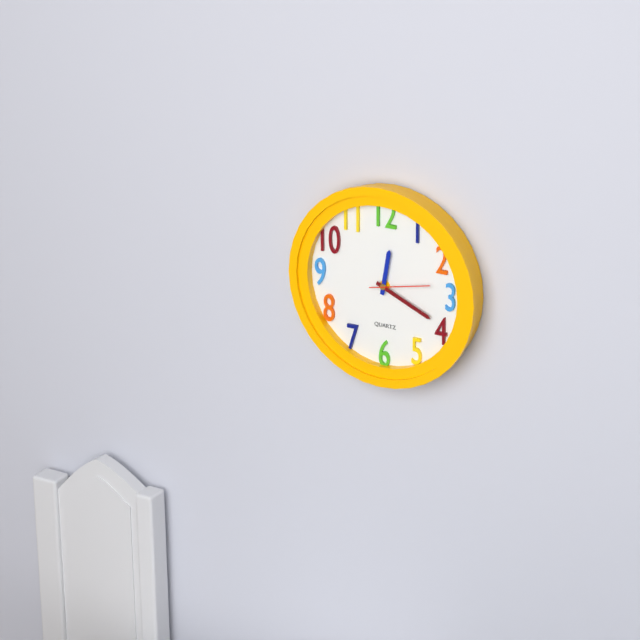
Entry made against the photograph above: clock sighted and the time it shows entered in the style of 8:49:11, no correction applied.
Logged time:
12:19:13
